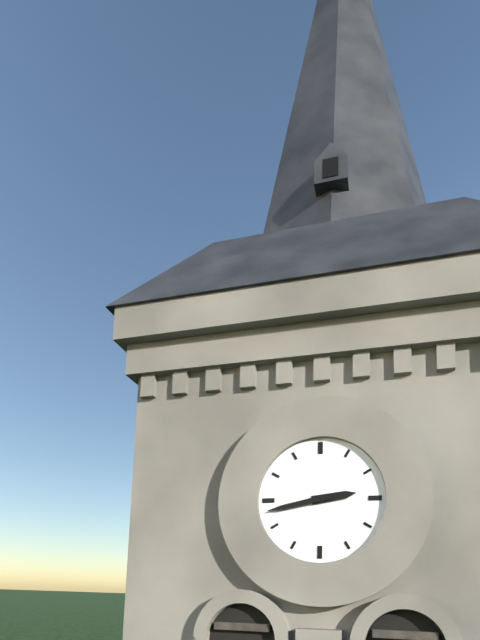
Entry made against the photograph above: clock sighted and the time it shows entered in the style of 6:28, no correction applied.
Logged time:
2:43
